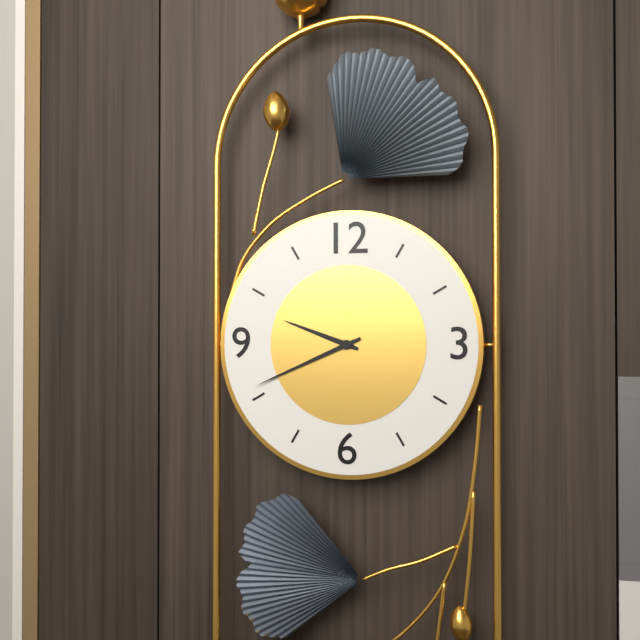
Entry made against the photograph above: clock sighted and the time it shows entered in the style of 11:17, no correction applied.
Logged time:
9:41
